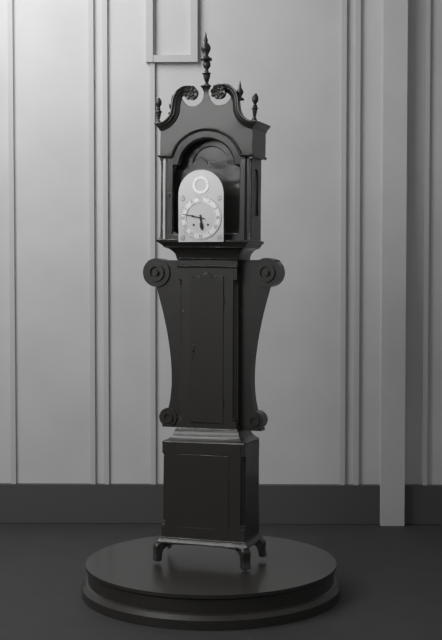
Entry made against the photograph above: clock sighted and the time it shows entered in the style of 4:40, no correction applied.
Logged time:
5:47
